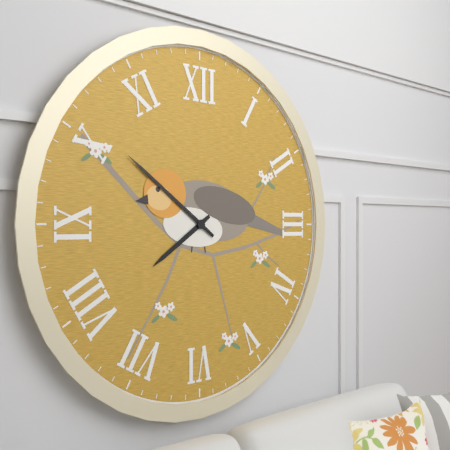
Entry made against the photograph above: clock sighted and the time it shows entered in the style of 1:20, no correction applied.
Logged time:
7:51
